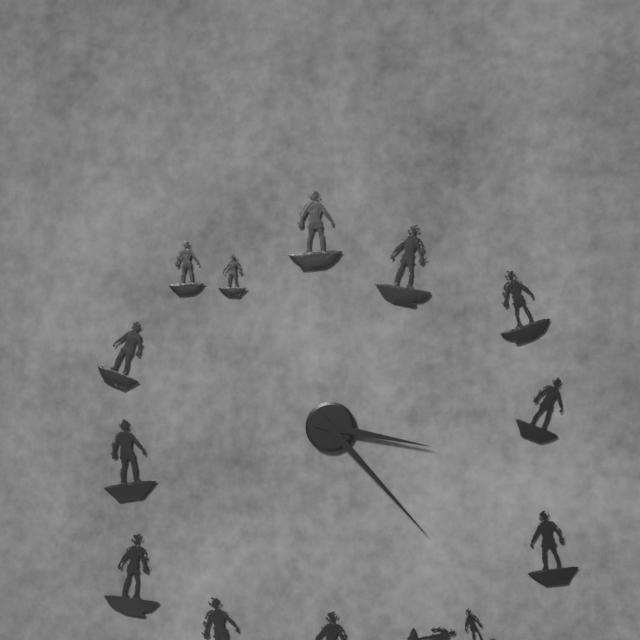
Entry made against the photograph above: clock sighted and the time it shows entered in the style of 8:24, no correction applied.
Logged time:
3:23
